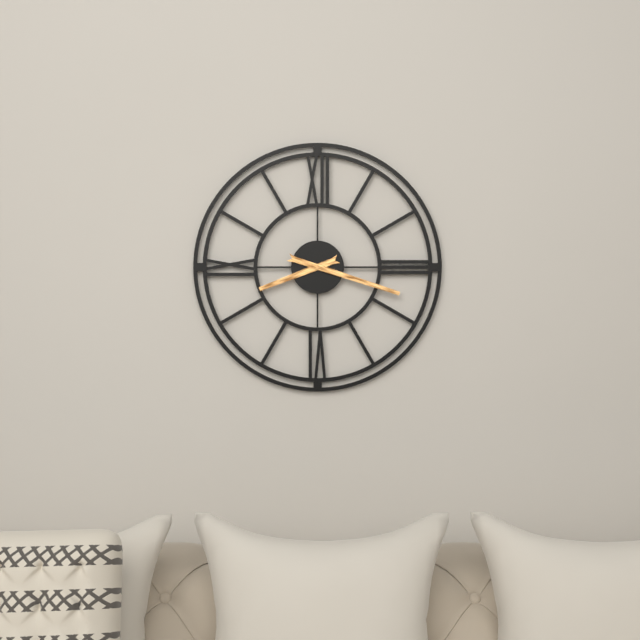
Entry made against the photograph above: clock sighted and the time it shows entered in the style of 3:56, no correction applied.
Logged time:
8:18
